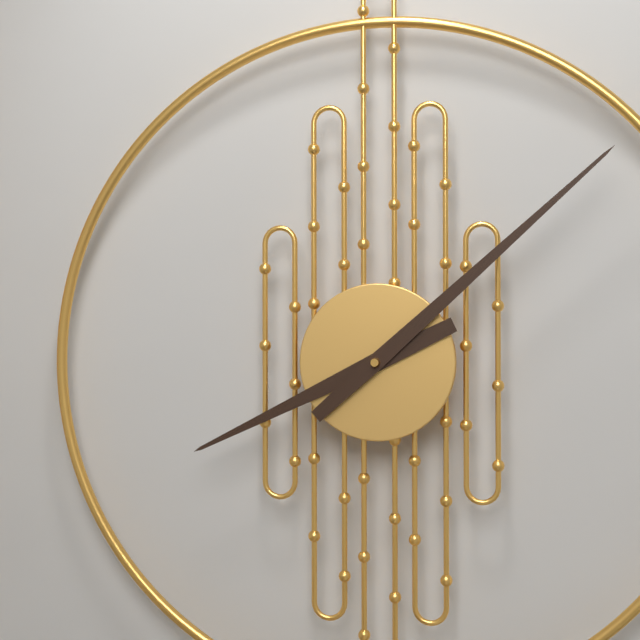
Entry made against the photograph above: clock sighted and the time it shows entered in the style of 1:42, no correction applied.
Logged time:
8:08
